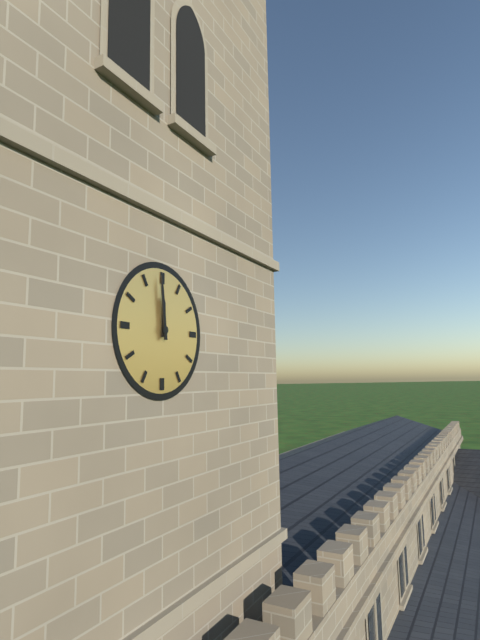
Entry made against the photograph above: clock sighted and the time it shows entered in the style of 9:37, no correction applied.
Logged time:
11:59
